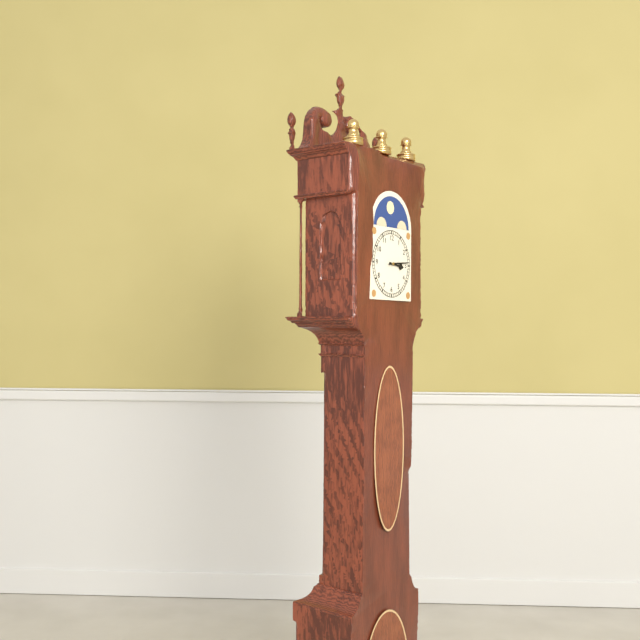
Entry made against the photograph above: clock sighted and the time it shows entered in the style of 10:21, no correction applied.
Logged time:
3:14
